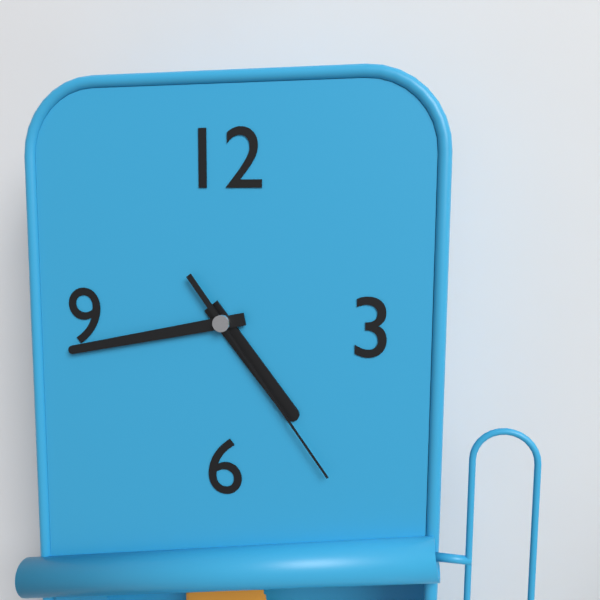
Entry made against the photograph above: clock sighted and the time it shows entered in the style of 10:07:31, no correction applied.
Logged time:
4:43:24
